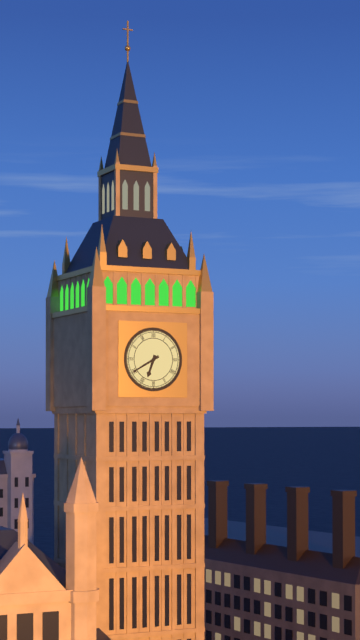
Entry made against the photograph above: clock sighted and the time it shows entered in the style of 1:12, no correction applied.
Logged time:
6:40
